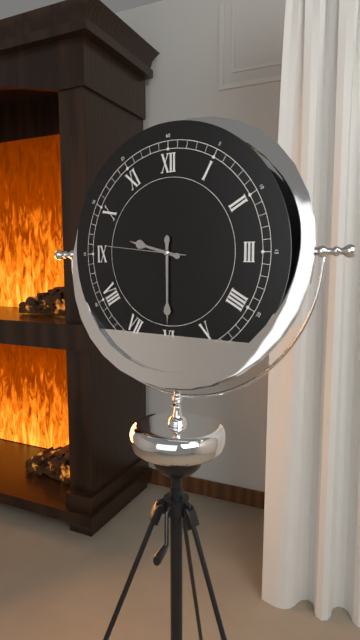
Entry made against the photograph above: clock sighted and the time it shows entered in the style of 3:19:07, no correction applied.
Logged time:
9:30:46
